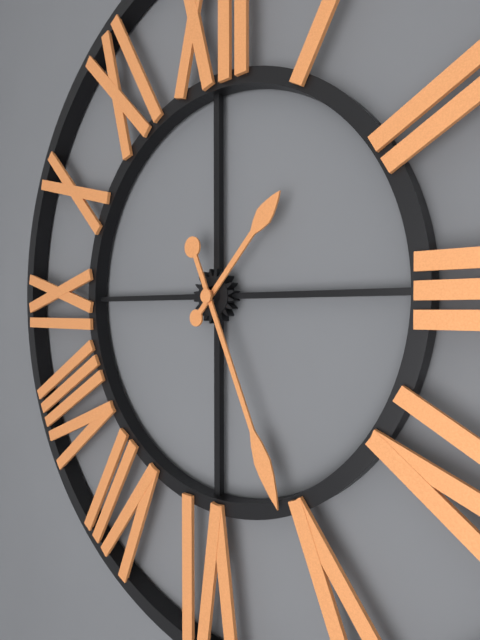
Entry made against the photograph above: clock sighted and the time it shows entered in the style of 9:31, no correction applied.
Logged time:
1:26
